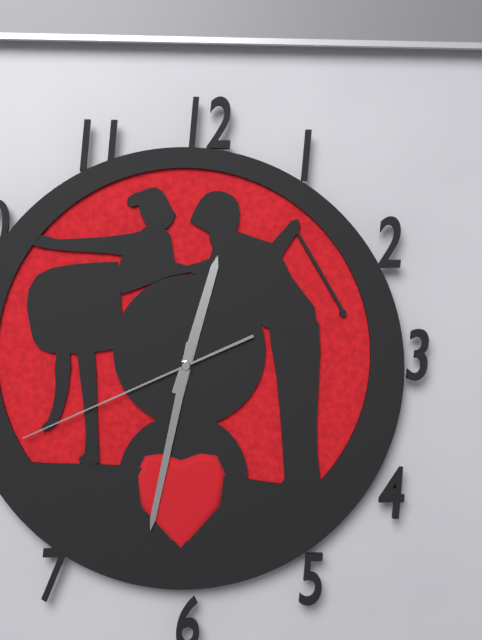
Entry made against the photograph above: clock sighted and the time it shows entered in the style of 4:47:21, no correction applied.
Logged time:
12:32:41
